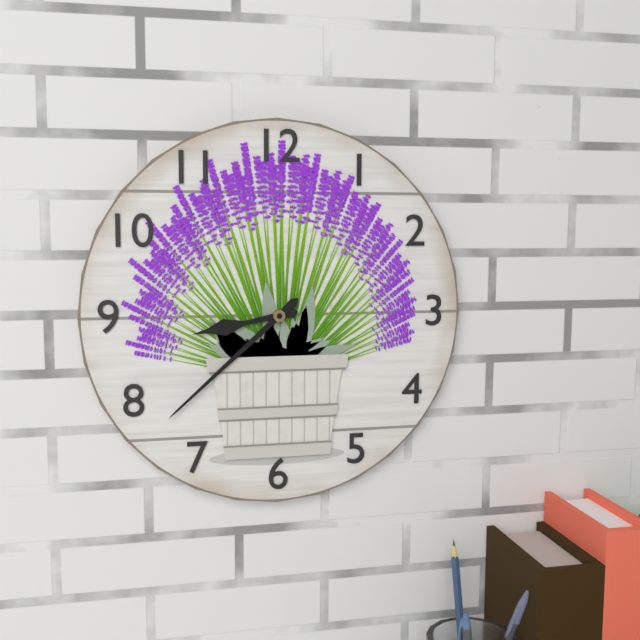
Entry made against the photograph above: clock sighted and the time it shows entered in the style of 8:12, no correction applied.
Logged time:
8:38
